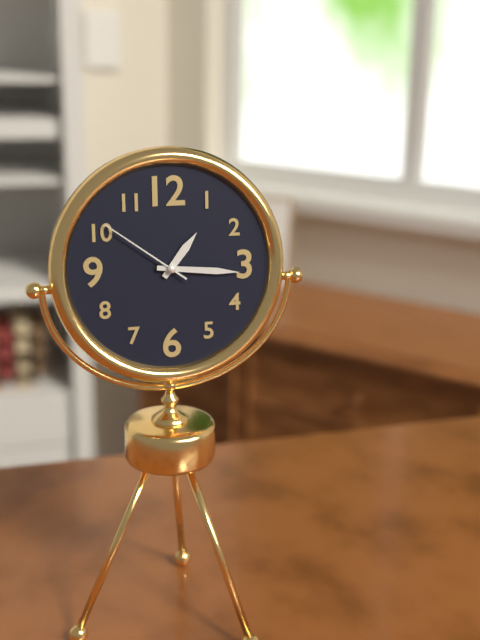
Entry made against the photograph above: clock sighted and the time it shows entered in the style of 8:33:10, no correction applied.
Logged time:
1:16:51
